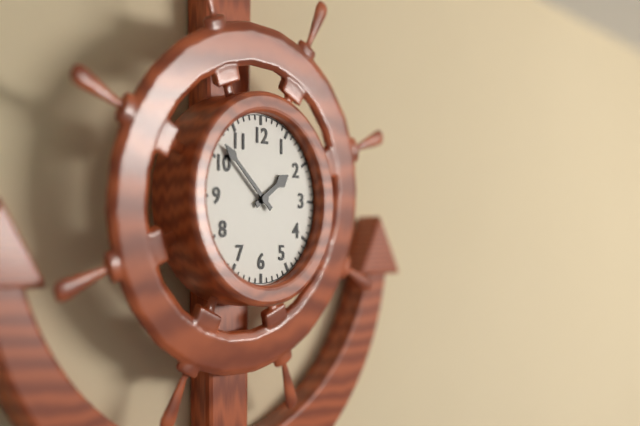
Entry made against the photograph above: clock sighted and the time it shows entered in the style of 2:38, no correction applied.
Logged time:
1:52
